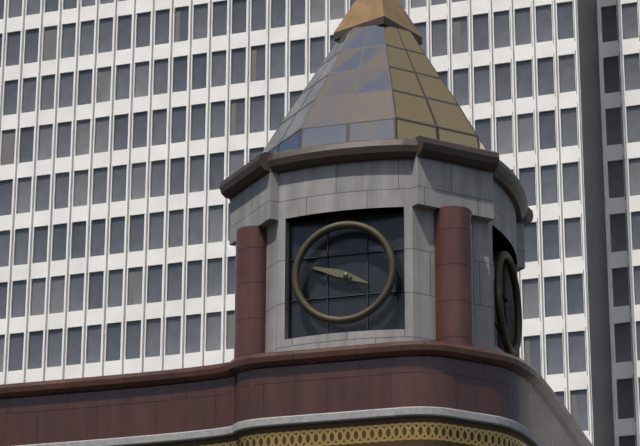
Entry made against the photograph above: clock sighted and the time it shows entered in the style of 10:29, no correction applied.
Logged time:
3:48
